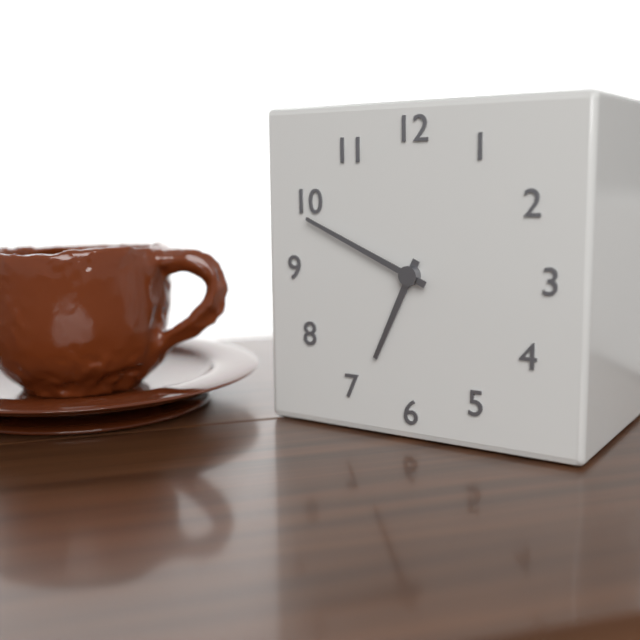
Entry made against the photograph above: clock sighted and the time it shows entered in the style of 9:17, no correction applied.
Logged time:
6:49
